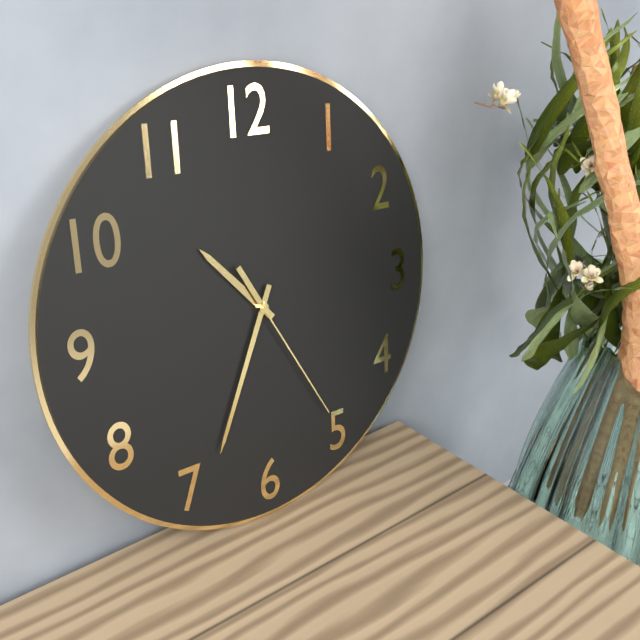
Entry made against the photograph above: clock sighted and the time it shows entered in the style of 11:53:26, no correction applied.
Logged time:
10:34:25
